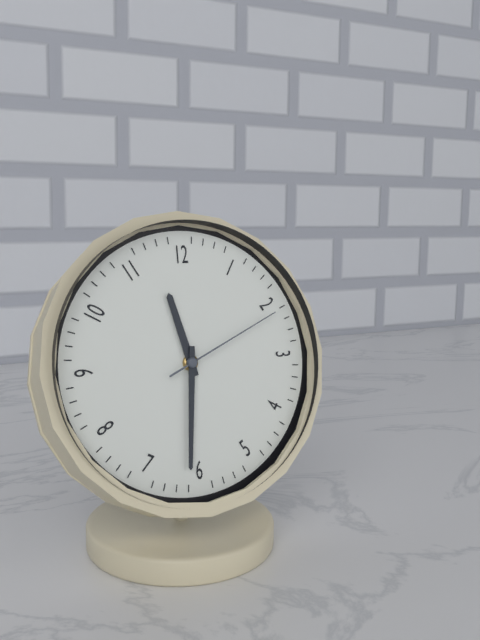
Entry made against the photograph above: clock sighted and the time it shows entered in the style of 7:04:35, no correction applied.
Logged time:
11:31:11
